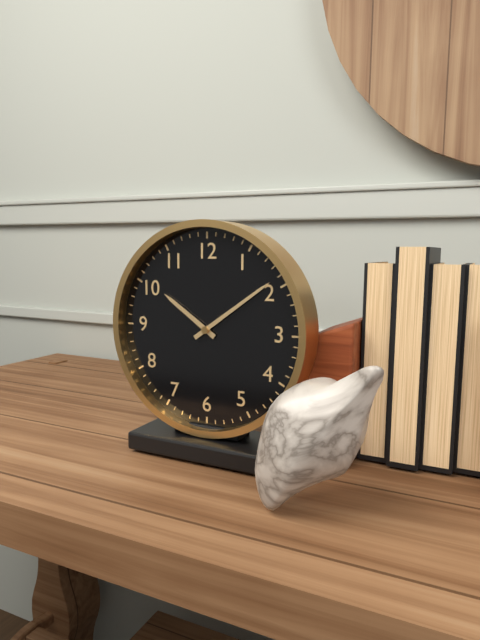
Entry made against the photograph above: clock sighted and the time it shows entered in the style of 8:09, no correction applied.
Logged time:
10:09
